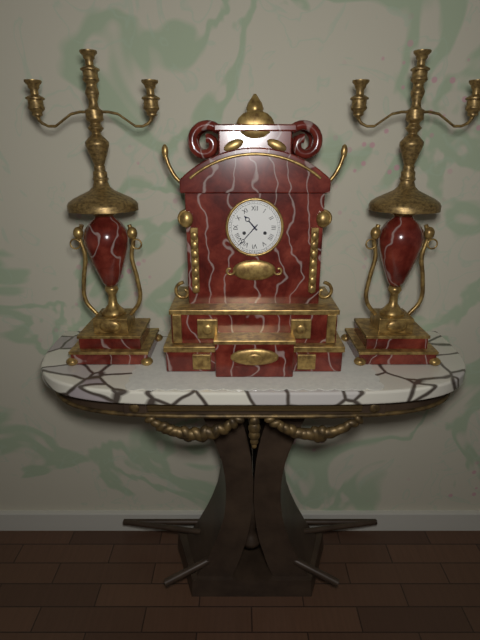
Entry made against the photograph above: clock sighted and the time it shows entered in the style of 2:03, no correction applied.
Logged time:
10:37
